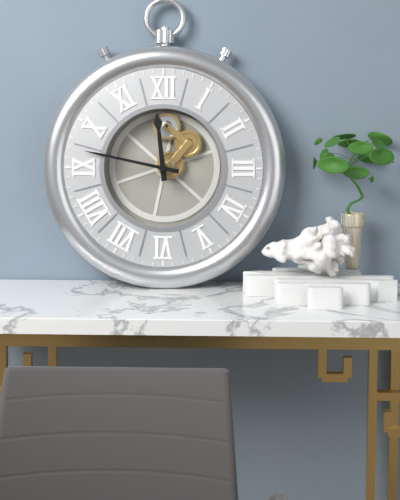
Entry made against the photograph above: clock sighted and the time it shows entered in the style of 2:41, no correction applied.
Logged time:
11:47
